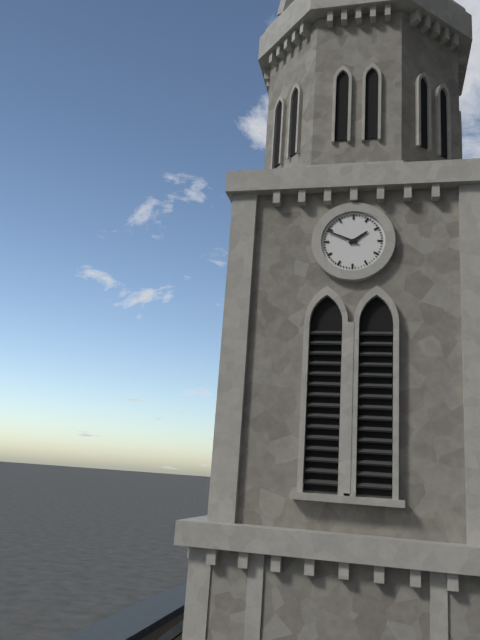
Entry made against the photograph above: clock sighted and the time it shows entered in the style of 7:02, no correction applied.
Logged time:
1:49
